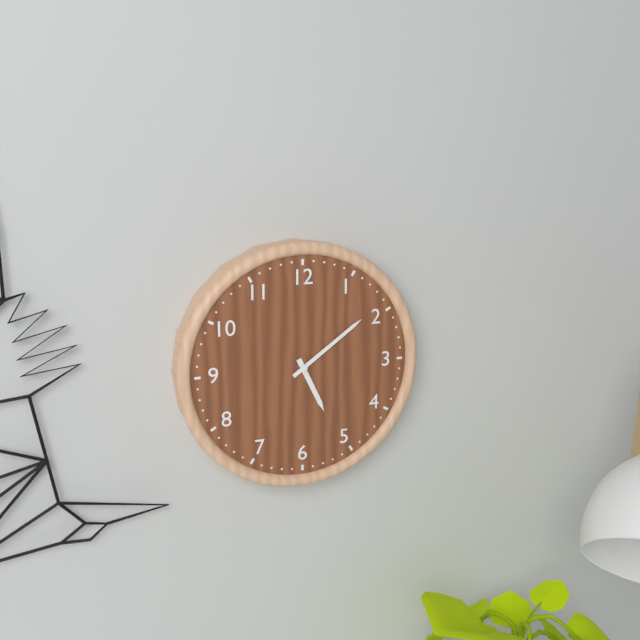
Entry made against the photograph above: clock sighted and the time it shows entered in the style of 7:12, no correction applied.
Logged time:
5:09
